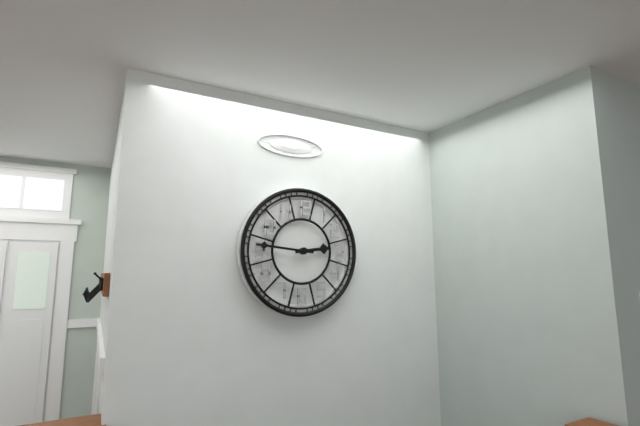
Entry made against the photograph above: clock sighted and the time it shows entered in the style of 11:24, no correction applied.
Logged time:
2:46
